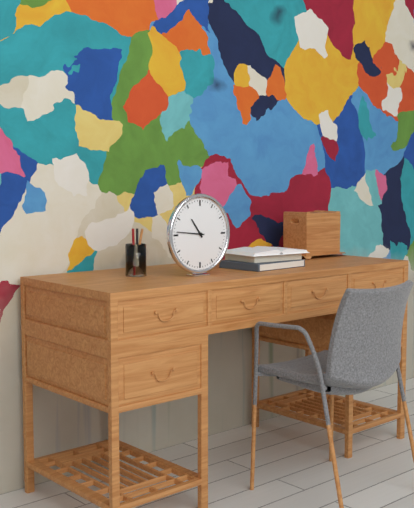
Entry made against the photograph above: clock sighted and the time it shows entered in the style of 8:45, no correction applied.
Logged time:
10:46
